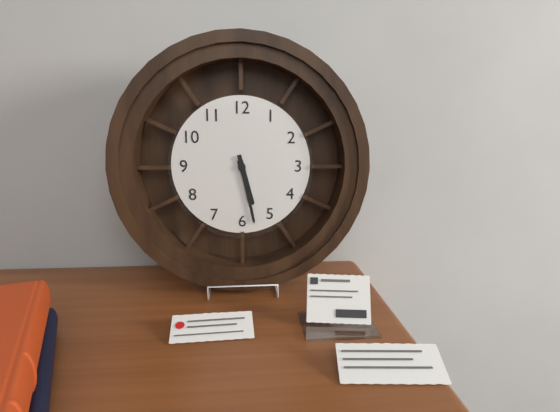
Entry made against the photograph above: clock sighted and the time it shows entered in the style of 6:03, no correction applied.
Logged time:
5:28
